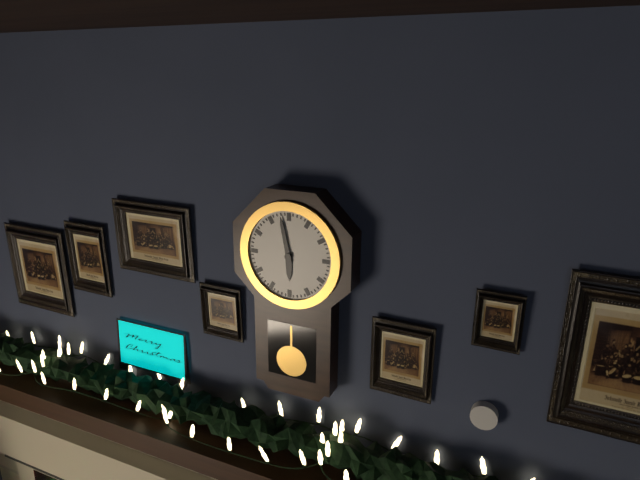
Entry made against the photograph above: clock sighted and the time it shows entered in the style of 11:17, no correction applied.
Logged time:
5:58
